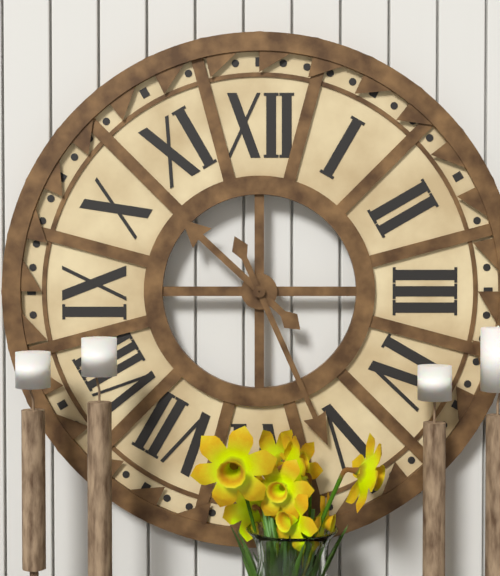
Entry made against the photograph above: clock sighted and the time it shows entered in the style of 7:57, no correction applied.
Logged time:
10:26
